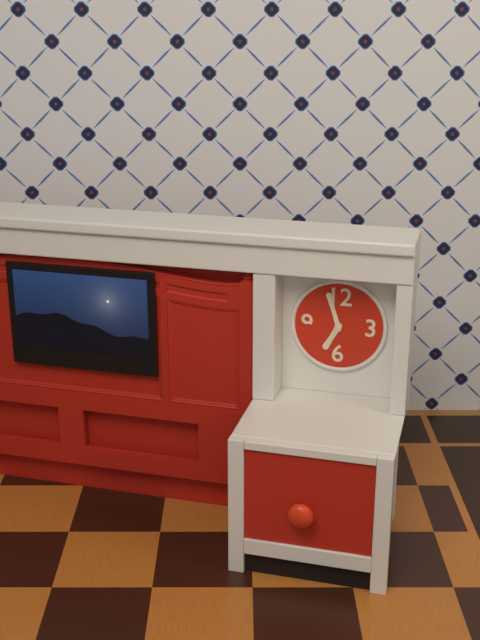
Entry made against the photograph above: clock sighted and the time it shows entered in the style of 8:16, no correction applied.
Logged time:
6:57
